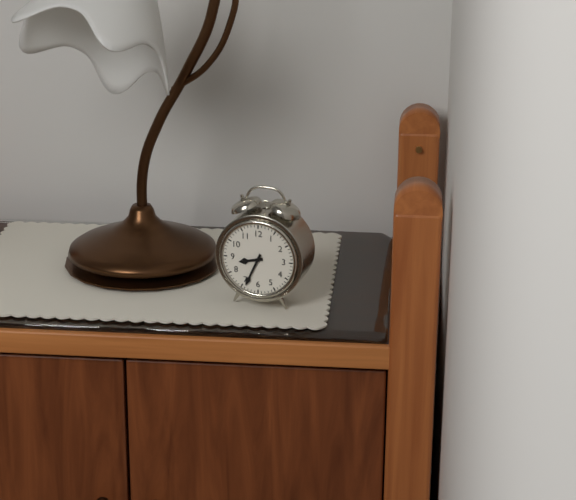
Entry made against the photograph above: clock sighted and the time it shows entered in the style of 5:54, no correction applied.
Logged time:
8:34
